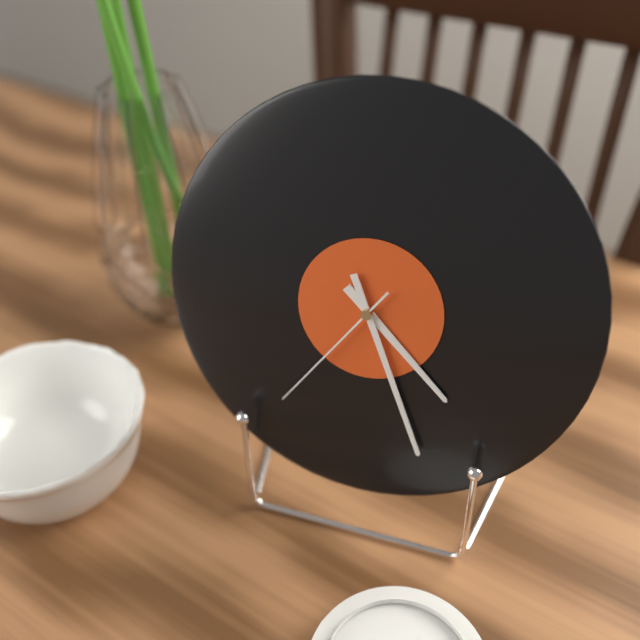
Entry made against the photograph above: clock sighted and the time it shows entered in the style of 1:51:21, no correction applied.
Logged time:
4:26:36
